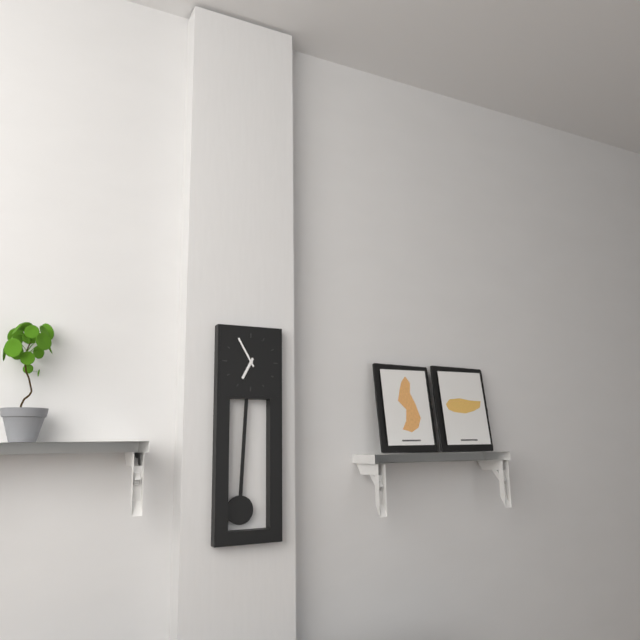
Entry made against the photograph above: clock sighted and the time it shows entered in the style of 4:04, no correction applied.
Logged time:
6:55
